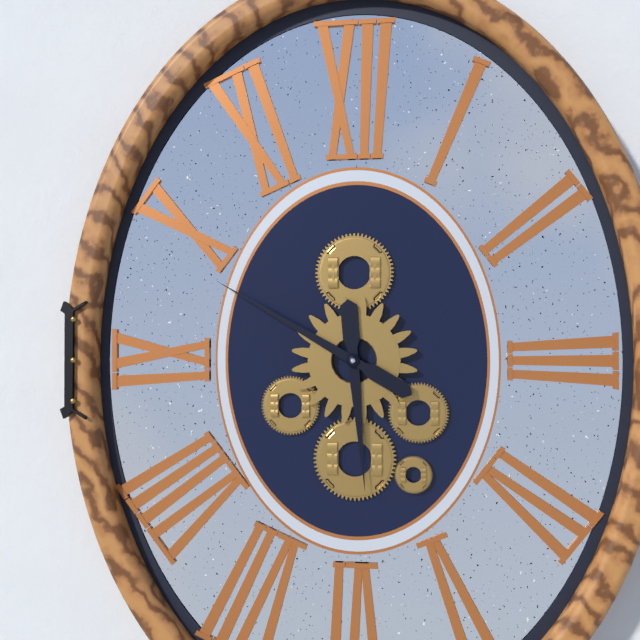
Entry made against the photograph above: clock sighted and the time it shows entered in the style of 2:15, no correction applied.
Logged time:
5:50
